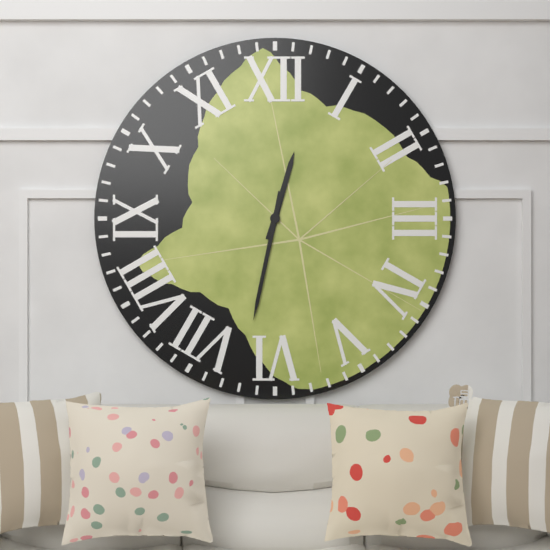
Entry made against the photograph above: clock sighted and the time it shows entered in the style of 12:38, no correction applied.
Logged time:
12:32
